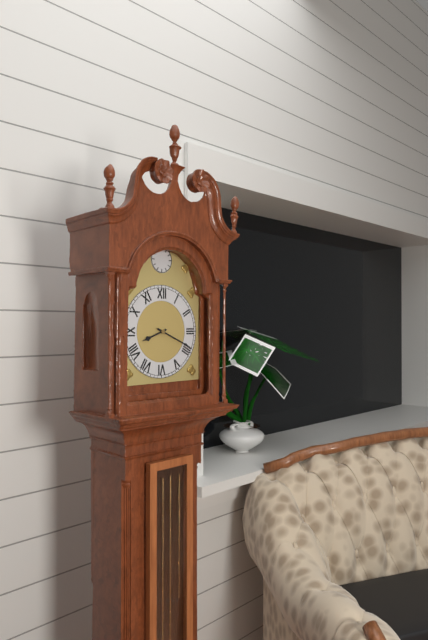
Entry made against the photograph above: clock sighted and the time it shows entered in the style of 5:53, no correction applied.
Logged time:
8:19
